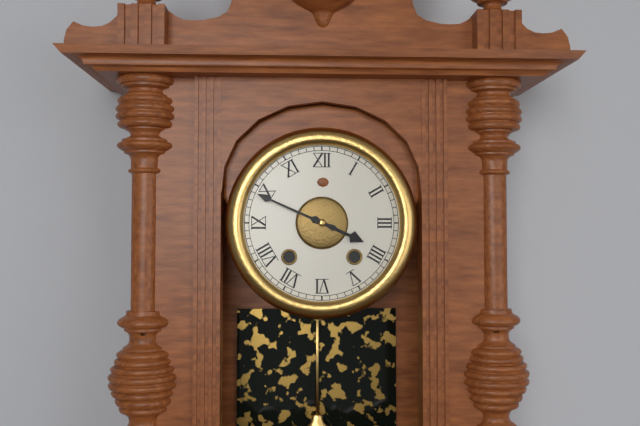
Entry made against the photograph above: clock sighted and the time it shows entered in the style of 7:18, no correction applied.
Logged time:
3:49
